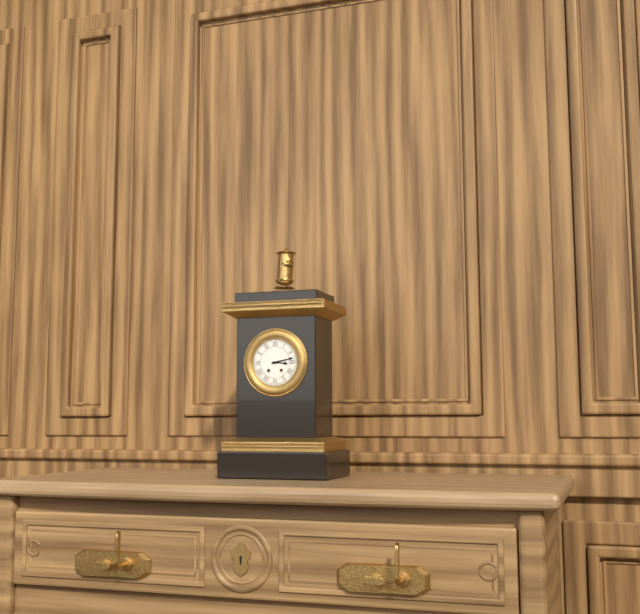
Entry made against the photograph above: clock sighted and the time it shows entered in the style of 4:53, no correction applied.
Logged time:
3:13
